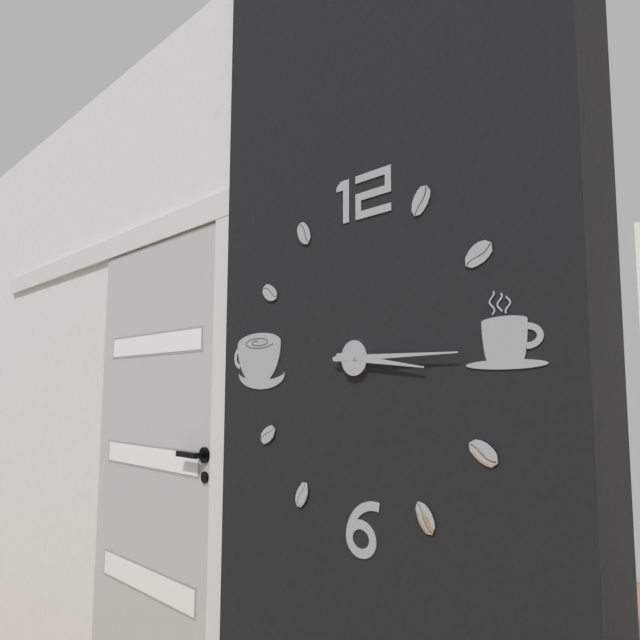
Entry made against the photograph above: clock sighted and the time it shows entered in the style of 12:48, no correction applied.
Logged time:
3:15
